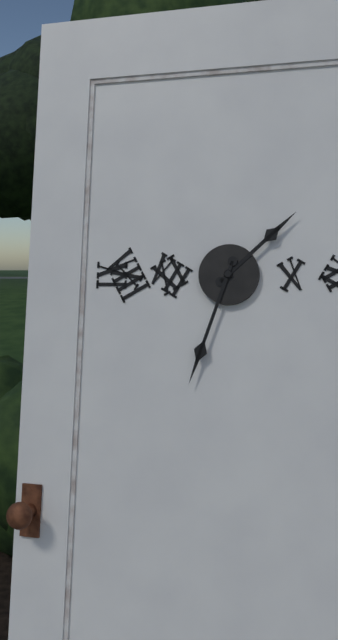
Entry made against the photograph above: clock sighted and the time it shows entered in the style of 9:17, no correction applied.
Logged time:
1:33
